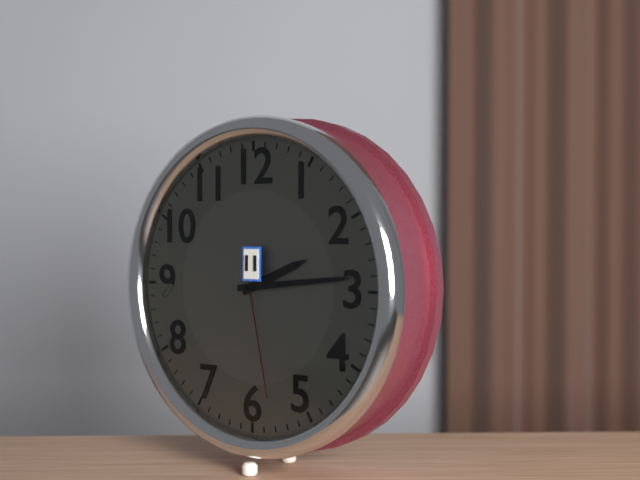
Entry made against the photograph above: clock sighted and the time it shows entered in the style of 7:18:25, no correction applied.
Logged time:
2:14:28
